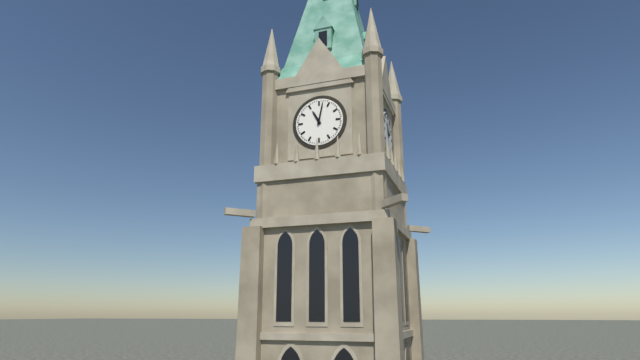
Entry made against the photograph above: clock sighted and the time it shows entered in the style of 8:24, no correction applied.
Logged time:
11:02
